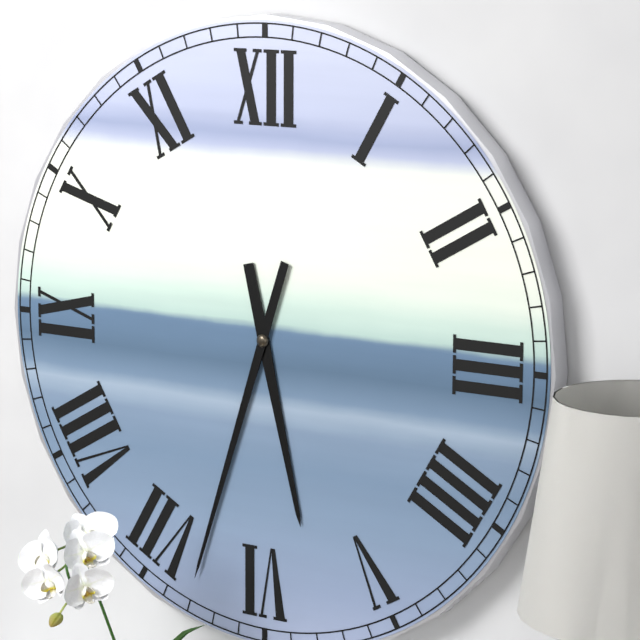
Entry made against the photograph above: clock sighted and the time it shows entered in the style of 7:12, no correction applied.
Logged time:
5:33
